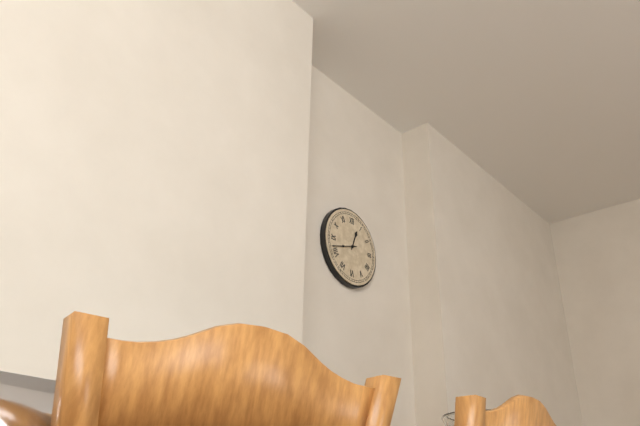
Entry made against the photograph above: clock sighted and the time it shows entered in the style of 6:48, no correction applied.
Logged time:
12:42
